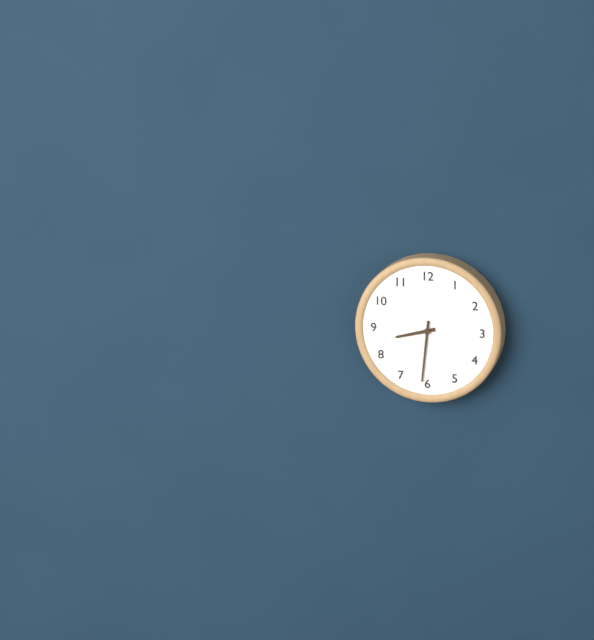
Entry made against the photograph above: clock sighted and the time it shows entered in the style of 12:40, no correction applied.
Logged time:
8:31
